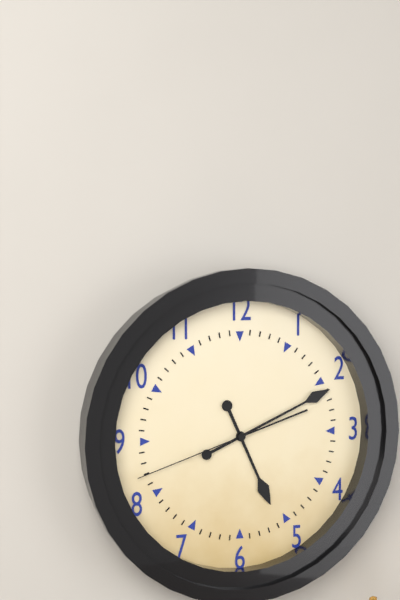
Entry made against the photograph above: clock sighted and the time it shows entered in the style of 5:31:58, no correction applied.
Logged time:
5:11:42
